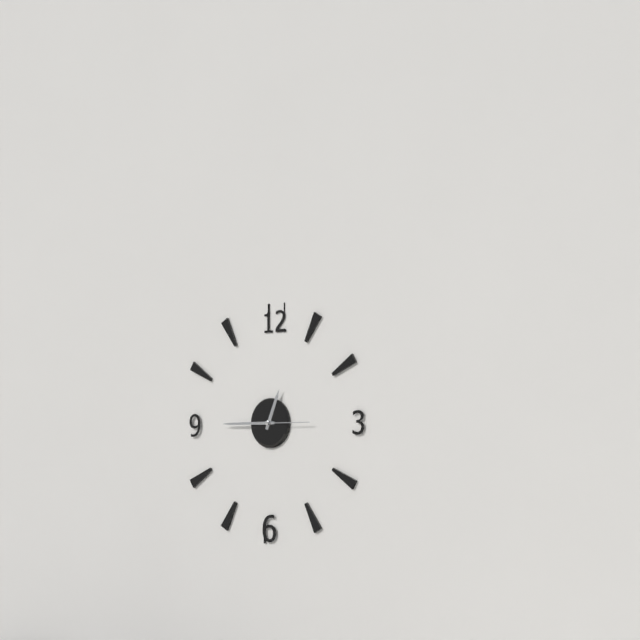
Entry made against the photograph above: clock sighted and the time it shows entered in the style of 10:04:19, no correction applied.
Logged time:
12:45:15
